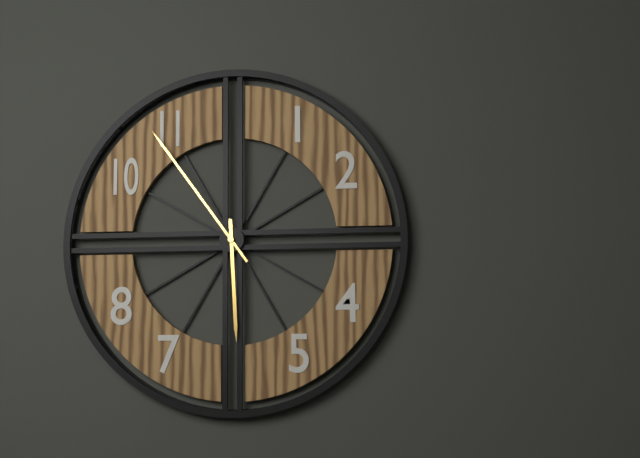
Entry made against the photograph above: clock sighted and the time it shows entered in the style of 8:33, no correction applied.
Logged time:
5:54
